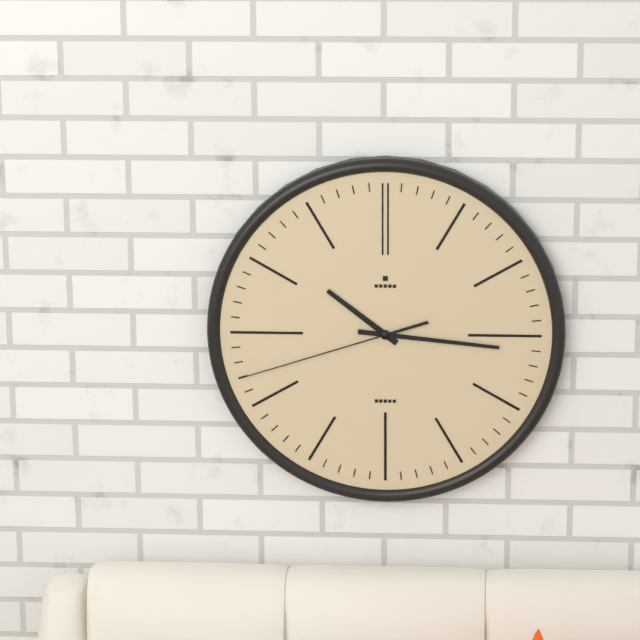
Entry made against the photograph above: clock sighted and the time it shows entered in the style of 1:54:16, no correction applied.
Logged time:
10:16:42
